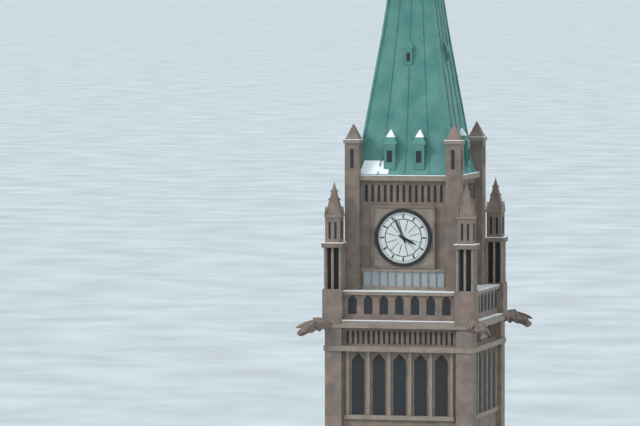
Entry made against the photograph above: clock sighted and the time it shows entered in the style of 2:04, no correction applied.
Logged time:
3:56
